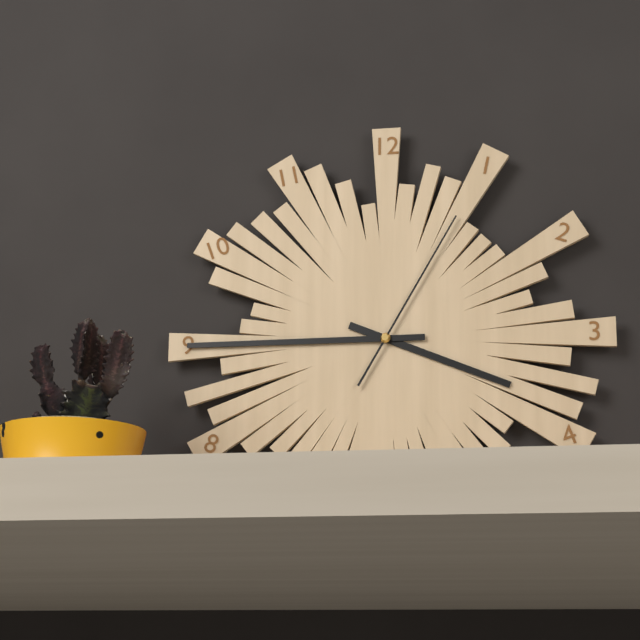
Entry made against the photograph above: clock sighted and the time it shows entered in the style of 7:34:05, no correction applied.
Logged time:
3:45:05
